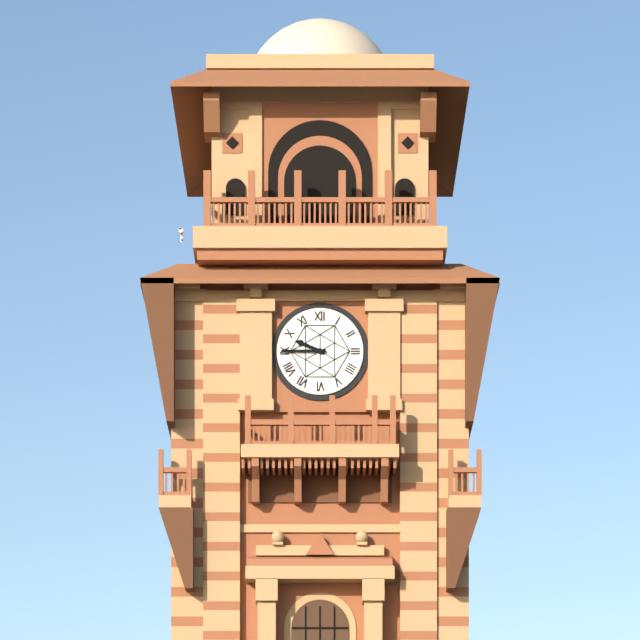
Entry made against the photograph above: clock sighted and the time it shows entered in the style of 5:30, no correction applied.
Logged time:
9:45
